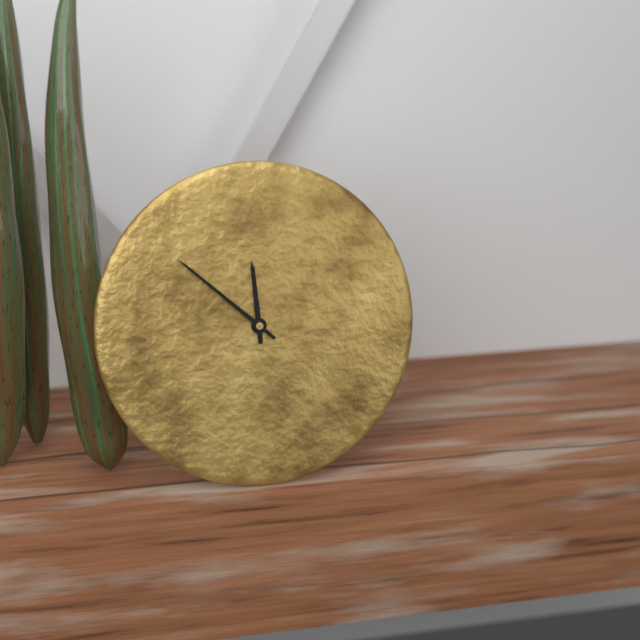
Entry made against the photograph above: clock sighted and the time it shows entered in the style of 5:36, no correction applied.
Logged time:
11:52
